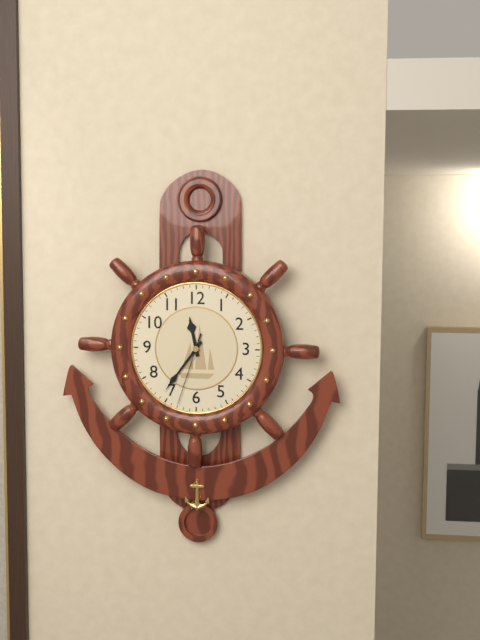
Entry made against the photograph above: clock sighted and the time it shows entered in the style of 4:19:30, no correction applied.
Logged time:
11:36:33
